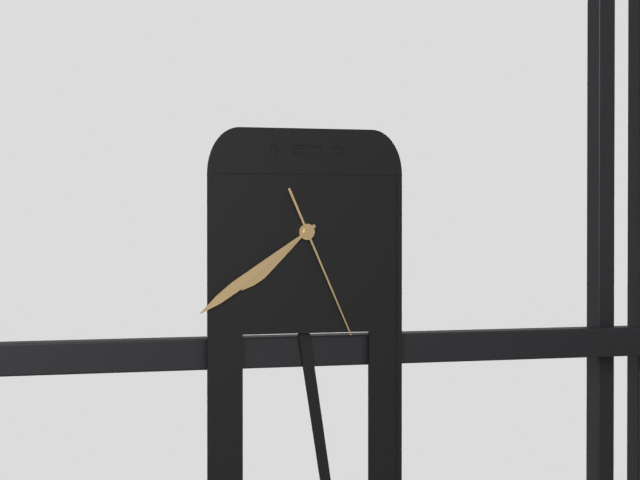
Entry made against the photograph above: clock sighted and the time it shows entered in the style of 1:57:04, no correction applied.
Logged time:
7:39:26
